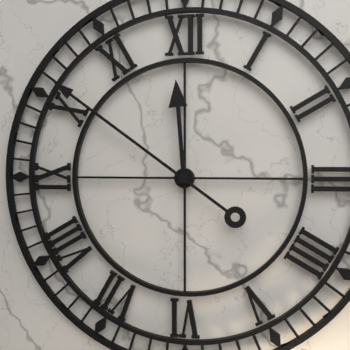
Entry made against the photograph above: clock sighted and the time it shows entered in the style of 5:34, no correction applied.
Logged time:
11:51
